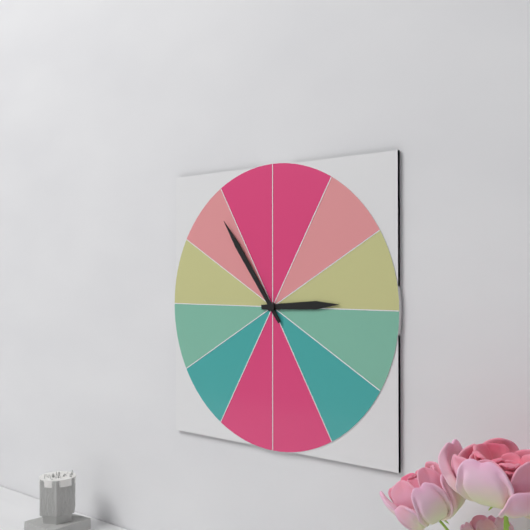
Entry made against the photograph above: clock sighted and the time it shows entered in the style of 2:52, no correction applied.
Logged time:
2:54
